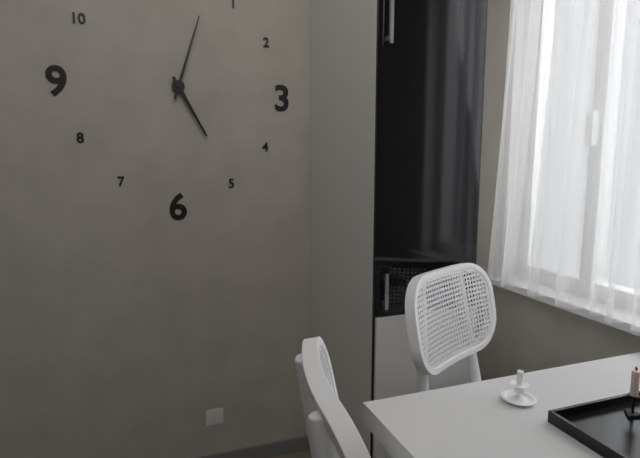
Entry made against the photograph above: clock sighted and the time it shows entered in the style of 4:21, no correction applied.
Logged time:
5:03
